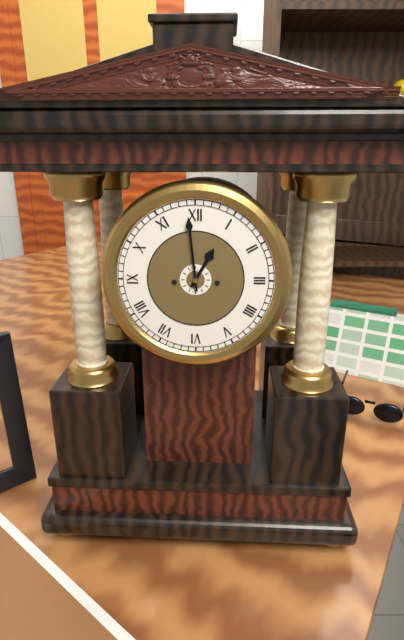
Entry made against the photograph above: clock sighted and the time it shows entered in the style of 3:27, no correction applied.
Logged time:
12:59
